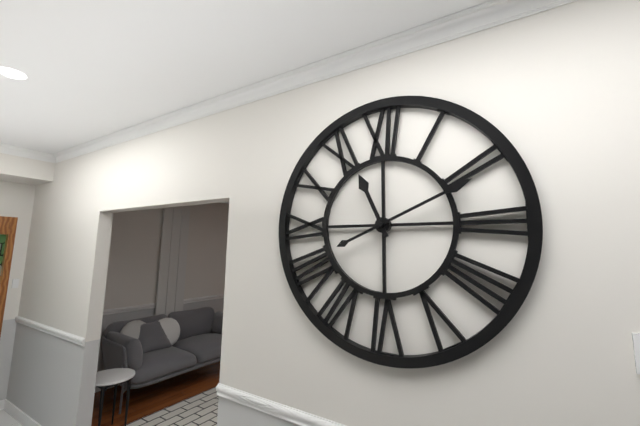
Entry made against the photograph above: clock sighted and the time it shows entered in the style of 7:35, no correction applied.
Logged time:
11:11
